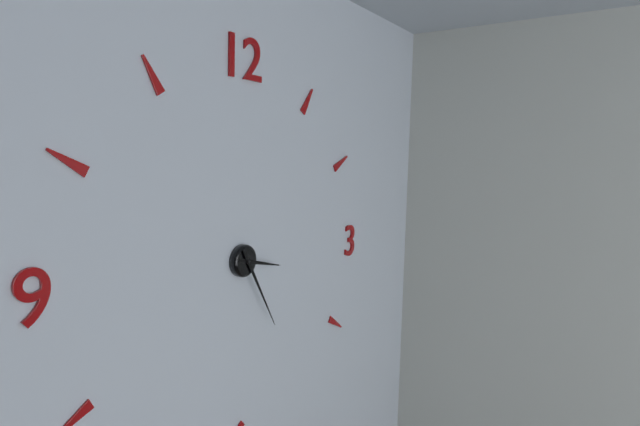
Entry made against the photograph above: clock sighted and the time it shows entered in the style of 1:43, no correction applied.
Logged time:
3:25
